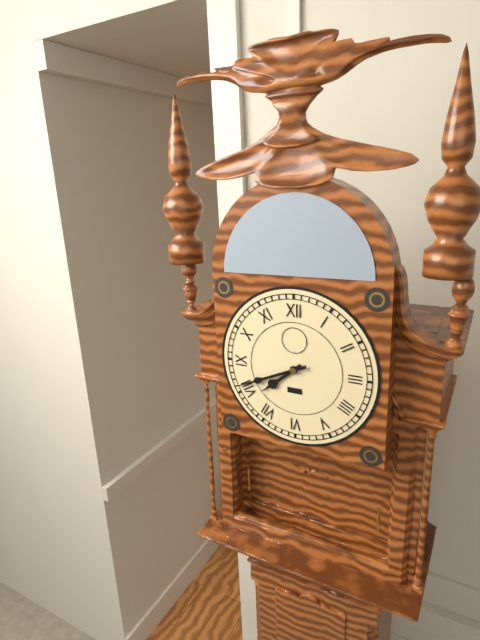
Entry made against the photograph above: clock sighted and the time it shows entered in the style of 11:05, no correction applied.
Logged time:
7:41
